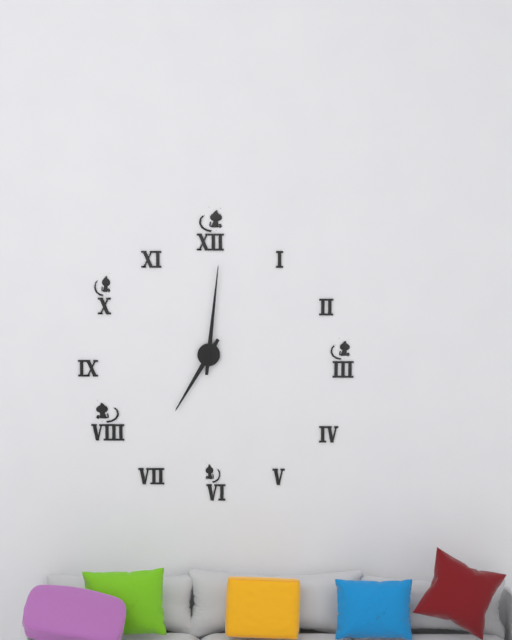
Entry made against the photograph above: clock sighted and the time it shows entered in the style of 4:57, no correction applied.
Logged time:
7:01
